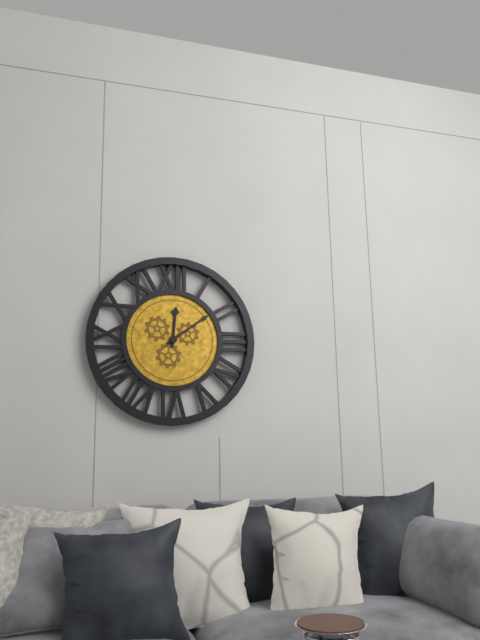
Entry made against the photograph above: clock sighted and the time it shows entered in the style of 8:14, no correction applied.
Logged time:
12:09
